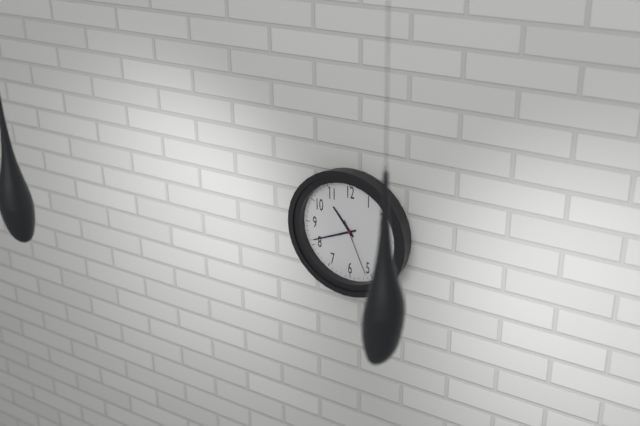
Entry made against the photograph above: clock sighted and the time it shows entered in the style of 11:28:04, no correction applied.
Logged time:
10:41:26
